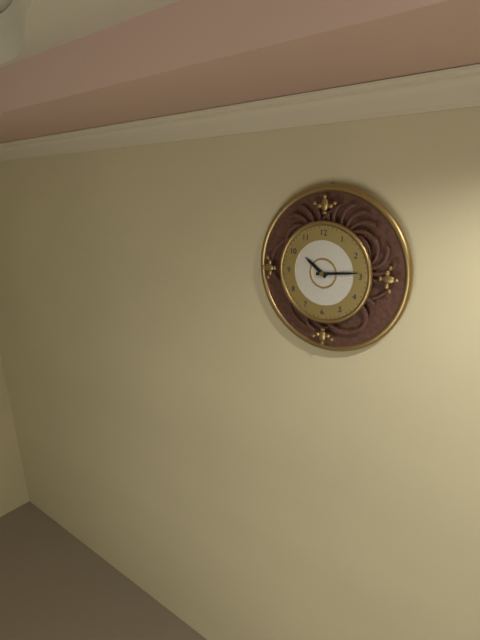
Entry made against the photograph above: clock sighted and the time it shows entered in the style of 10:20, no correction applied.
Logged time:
10:14
